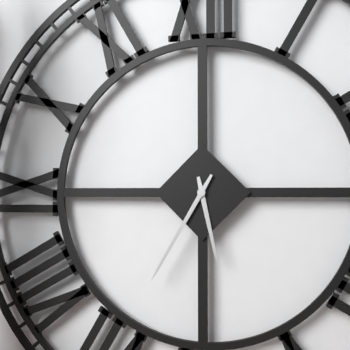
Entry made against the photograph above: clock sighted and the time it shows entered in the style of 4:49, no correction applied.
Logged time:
5:35
